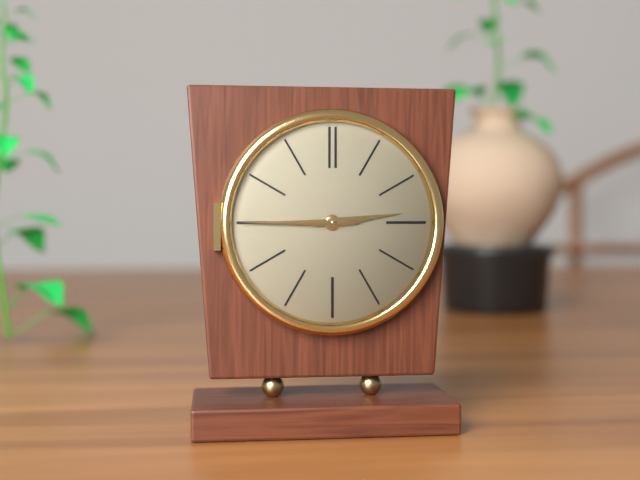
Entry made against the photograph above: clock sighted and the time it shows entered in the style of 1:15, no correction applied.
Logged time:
2:45
